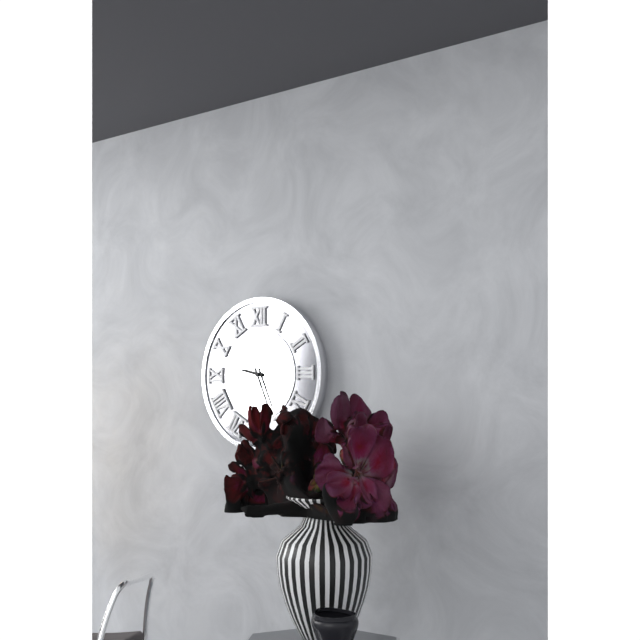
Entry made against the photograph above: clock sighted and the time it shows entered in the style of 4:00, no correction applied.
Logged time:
9:26
